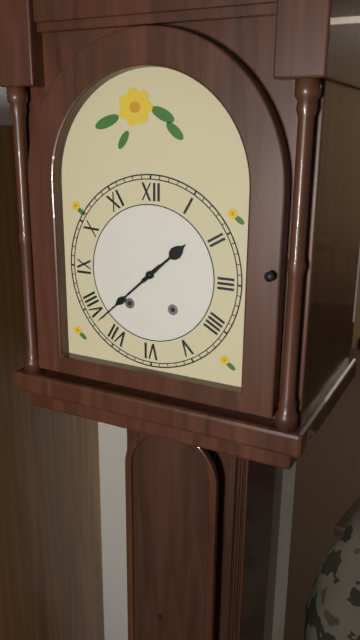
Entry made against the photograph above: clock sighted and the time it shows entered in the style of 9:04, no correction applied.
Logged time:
1:38
